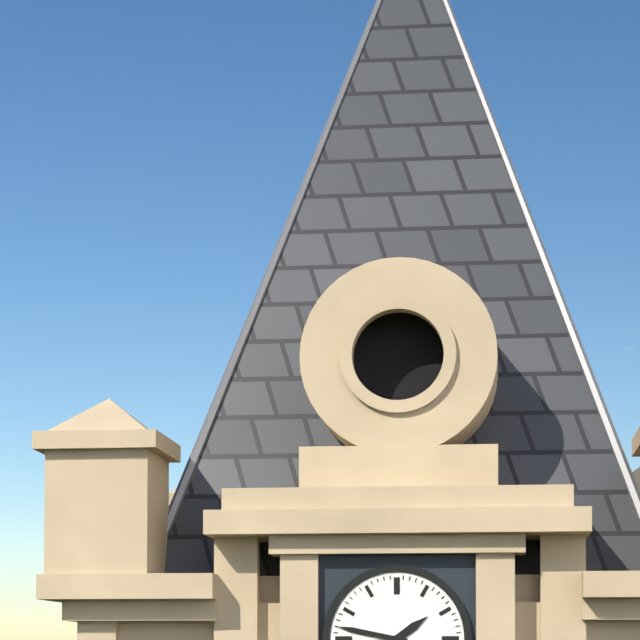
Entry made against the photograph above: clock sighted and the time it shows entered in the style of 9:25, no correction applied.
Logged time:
1:47
